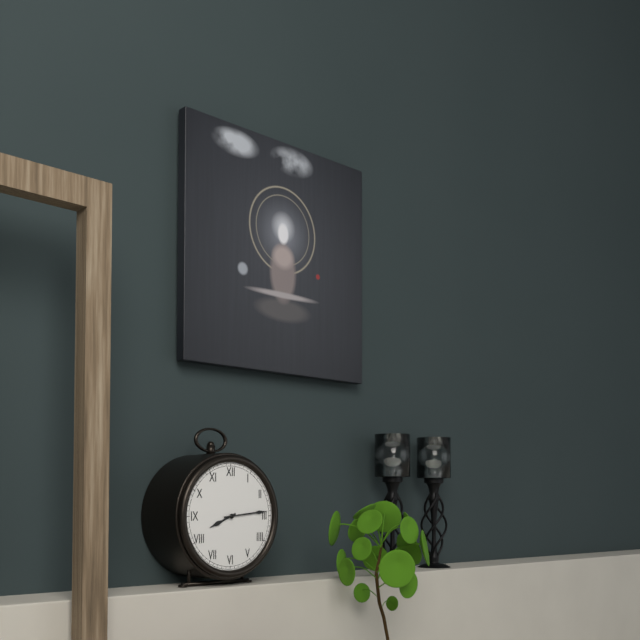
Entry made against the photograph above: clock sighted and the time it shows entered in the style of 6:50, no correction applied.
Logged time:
8:14
